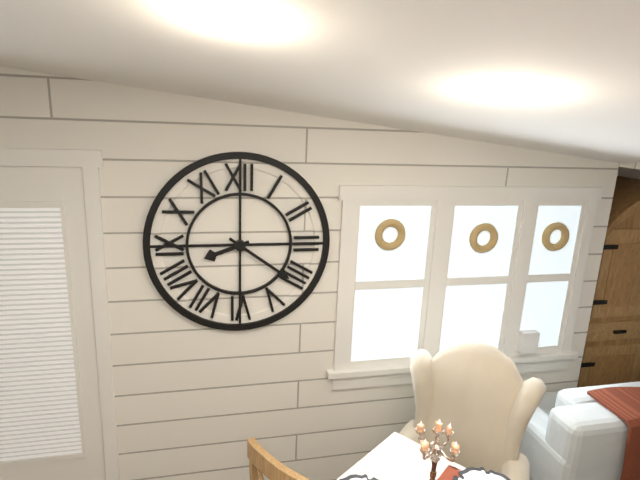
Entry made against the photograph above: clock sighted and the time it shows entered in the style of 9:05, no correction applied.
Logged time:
8:21
